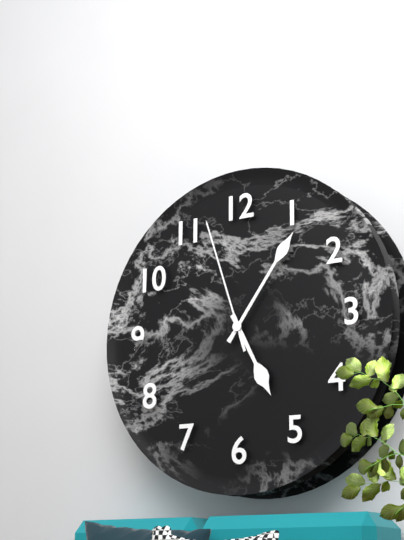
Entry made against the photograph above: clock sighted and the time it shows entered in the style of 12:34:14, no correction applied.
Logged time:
5:06:57
